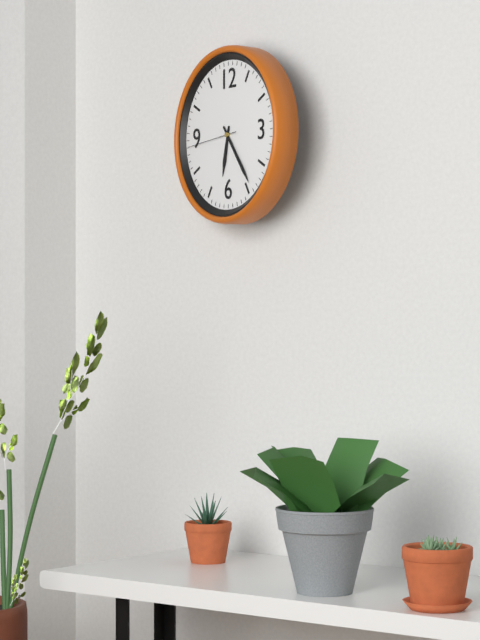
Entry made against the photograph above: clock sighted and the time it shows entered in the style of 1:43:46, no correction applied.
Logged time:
6:24:44
